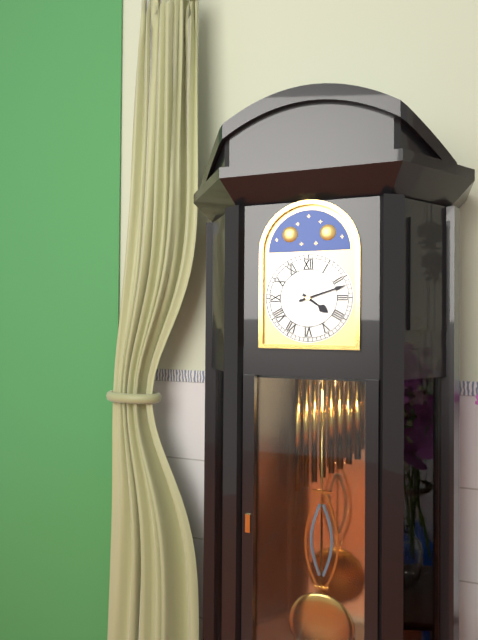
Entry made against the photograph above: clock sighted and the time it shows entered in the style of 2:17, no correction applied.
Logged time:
4:12
